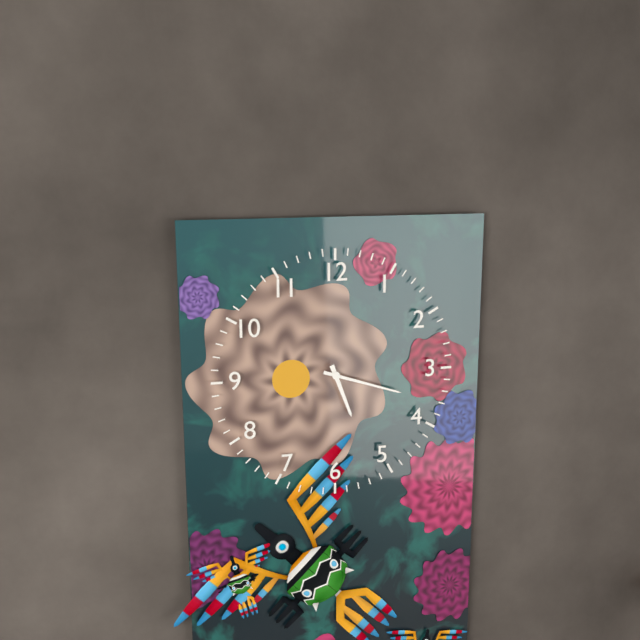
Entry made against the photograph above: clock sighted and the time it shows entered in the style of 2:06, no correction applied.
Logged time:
5:18
